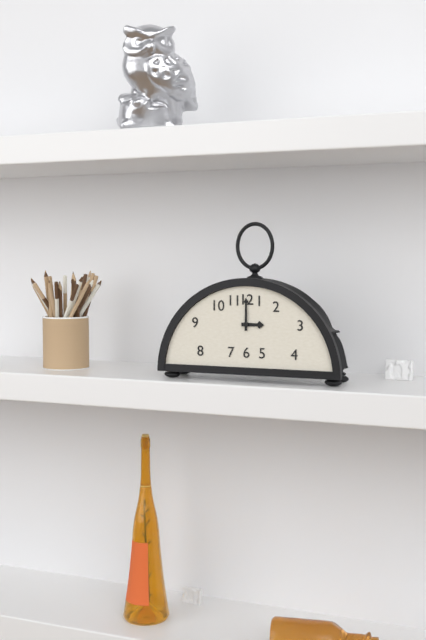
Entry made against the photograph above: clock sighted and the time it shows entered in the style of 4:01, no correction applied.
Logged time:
3:00
